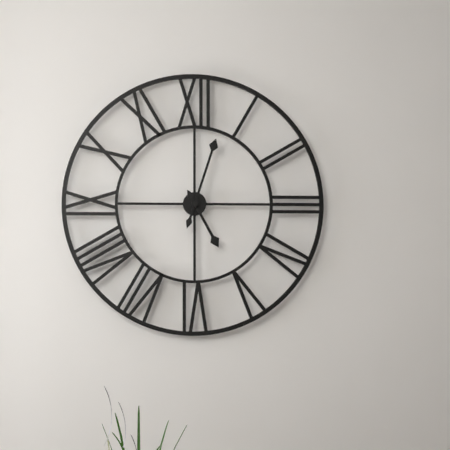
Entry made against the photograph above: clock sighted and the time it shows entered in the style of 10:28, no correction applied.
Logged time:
5:03
